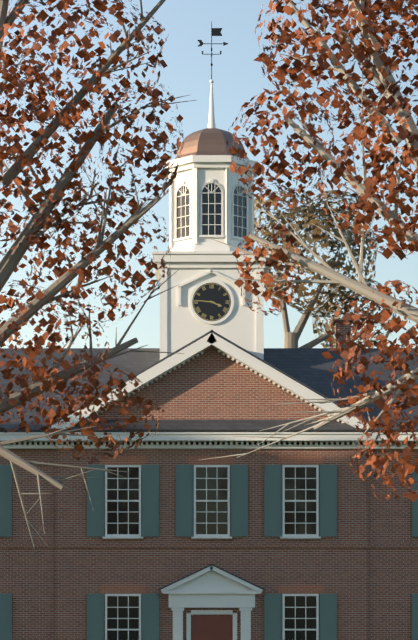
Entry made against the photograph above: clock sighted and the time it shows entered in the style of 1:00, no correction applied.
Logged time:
3:46
